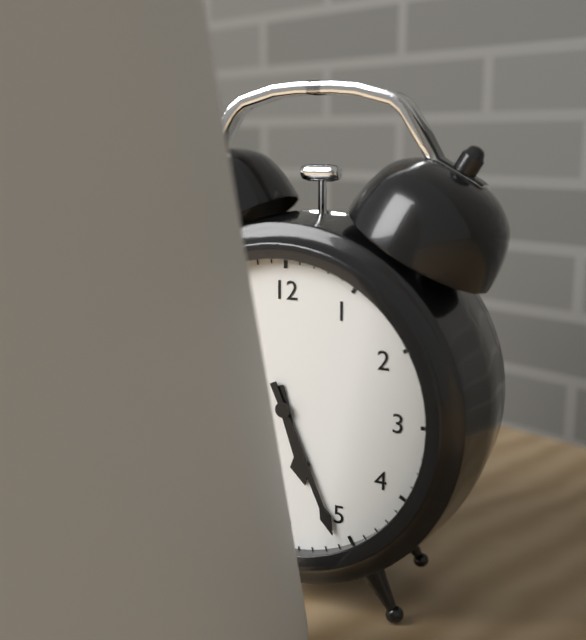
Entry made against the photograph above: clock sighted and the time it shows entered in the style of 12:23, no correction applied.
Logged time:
5:26
